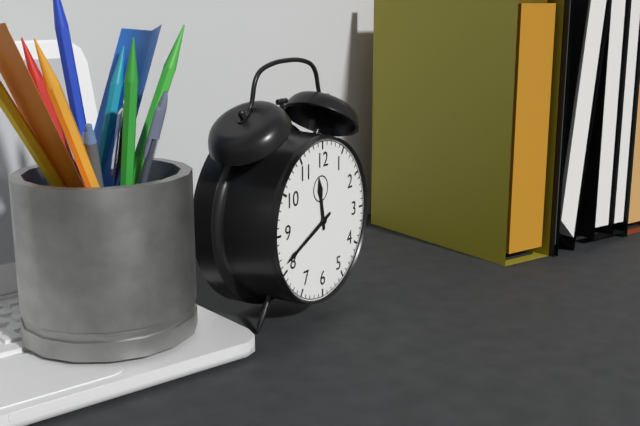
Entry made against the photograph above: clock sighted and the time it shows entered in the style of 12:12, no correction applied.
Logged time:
11:41
